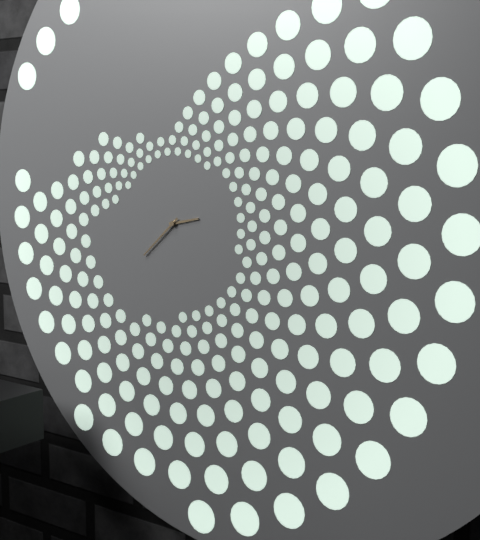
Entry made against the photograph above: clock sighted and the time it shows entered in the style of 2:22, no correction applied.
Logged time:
2:38
